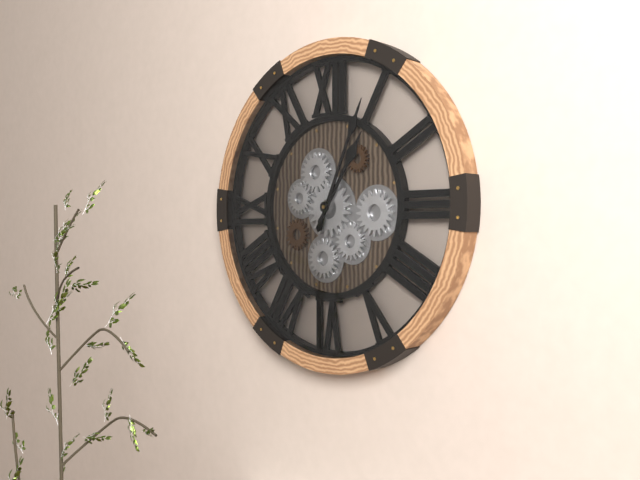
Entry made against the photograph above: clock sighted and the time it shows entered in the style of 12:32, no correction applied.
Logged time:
1:04
